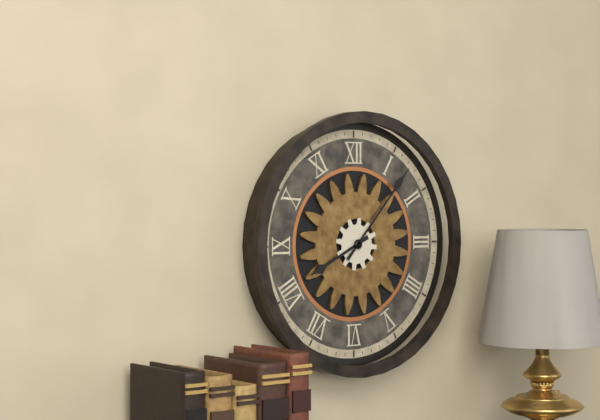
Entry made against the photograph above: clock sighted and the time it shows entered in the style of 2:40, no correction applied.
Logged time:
8:07
